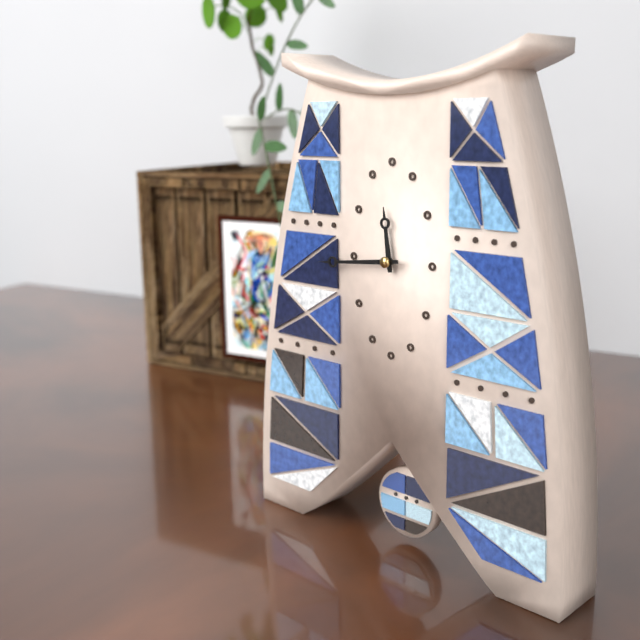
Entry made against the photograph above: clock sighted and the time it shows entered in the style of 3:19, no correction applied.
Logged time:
11:44
